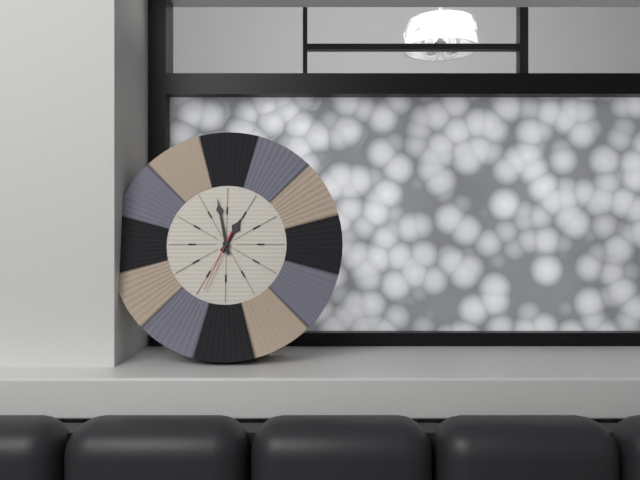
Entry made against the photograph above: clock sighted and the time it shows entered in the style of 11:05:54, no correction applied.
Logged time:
12:58:34
